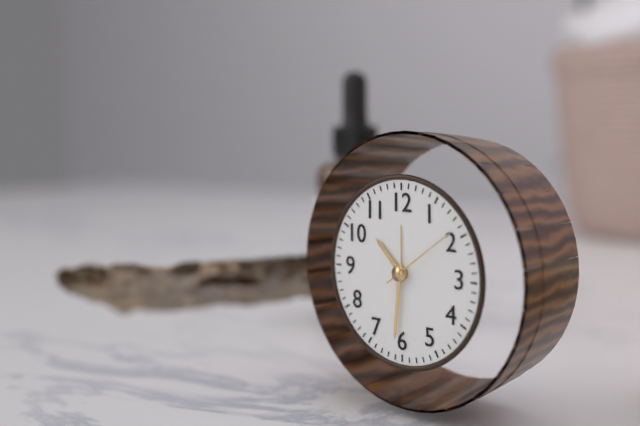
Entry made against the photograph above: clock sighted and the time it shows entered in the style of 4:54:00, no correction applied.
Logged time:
10:31:09
